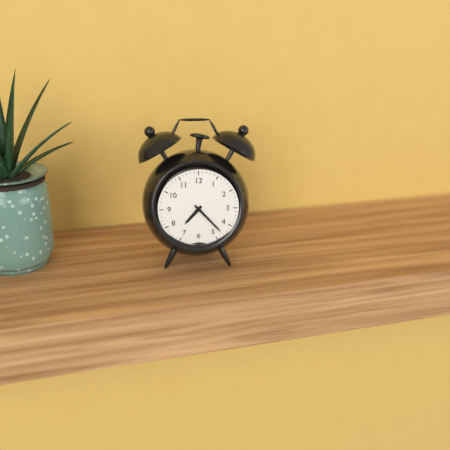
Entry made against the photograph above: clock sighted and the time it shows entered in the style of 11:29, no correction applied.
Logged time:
7:23
